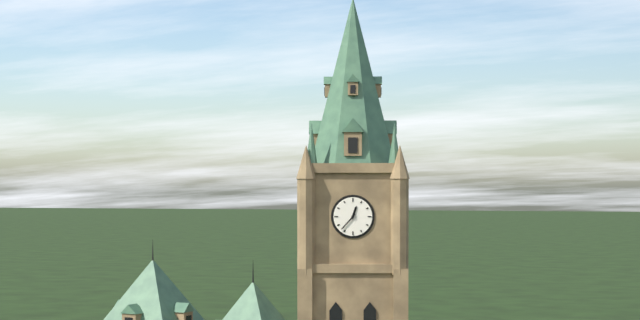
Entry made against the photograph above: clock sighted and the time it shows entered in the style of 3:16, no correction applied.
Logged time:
12:37
